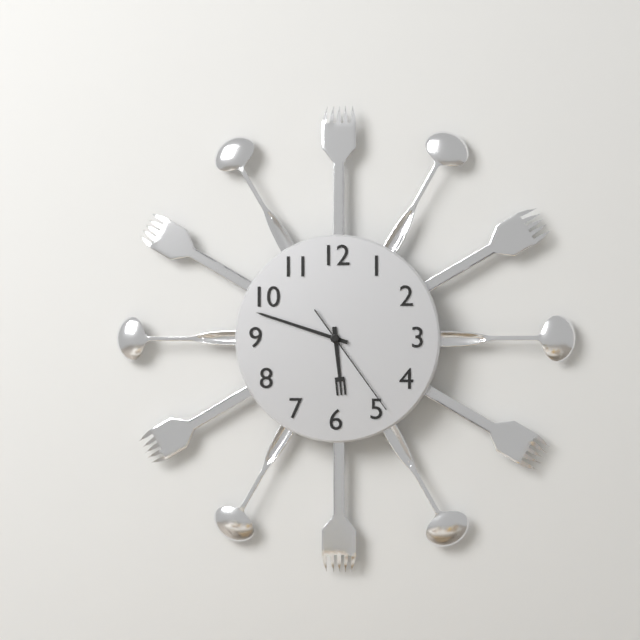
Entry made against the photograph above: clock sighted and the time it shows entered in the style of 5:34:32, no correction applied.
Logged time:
5:48:24
